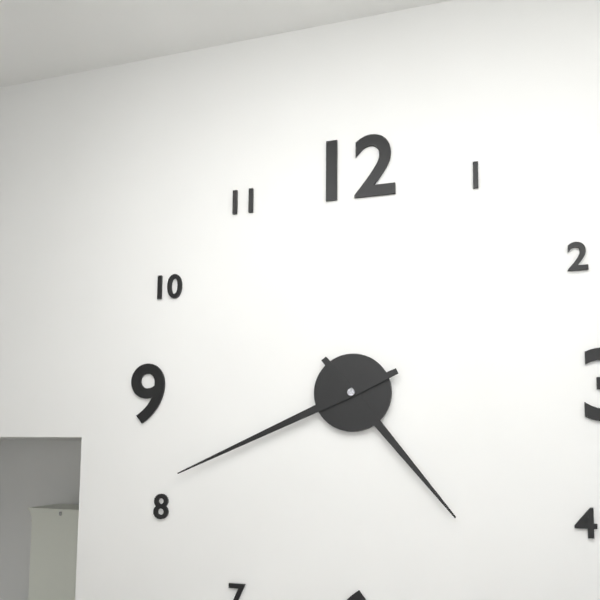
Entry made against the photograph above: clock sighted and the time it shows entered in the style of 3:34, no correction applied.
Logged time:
4:41
